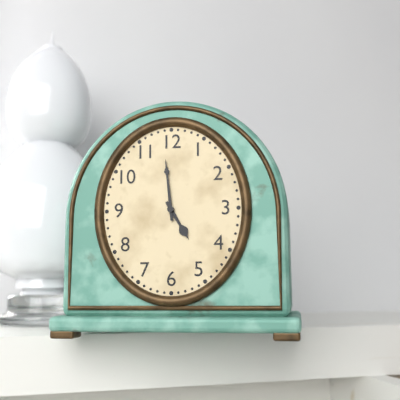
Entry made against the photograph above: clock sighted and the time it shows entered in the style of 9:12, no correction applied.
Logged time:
4:59
